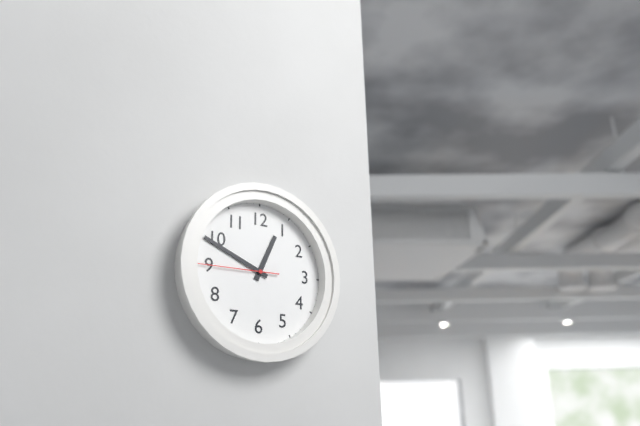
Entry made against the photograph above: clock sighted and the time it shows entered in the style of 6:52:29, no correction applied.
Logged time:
12:49:45
